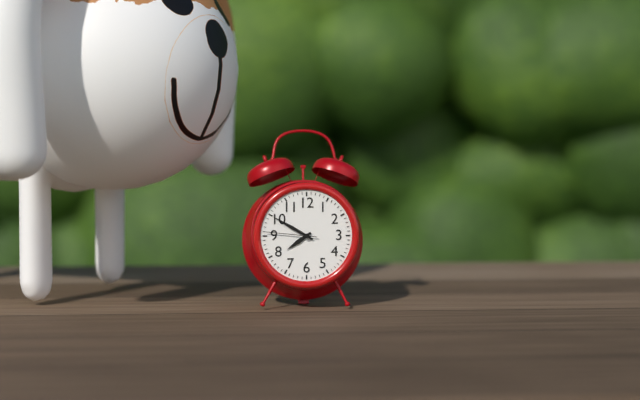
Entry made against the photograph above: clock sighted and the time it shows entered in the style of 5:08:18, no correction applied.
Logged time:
7:50:46
